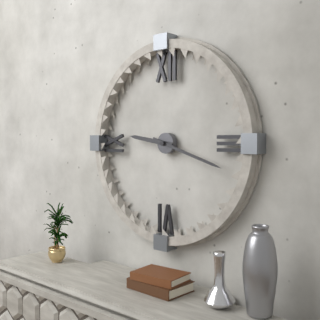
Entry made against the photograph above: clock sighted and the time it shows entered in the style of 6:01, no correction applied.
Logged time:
9:18
